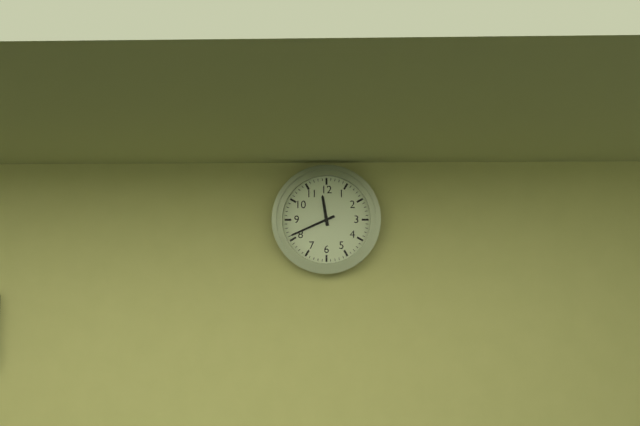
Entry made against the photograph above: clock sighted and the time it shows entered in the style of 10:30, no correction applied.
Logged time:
11:41
